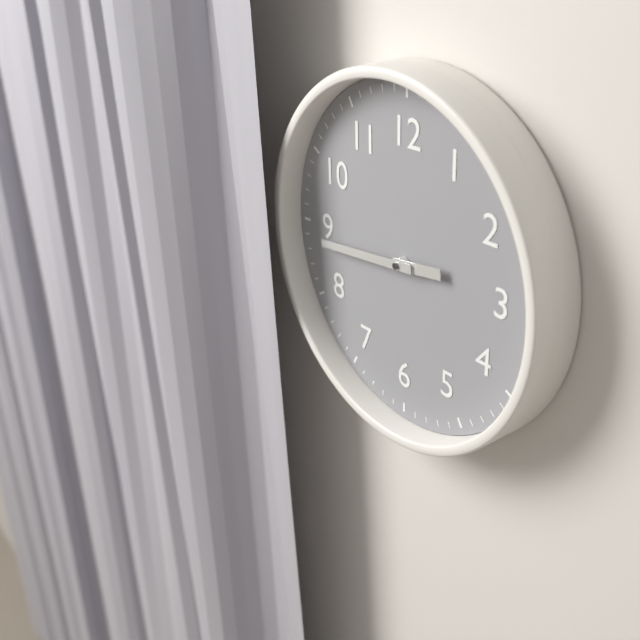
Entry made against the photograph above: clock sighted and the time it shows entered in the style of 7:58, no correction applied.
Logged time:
2:44
